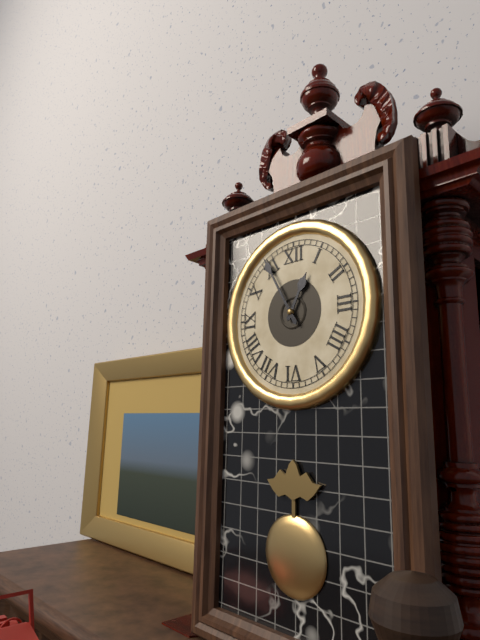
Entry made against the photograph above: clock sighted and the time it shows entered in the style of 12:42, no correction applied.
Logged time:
12:55
